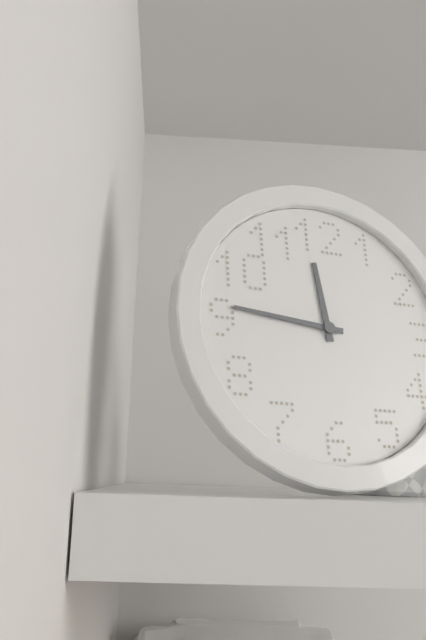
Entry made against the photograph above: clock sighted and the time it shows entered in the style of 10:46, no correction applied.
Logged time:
11:46
